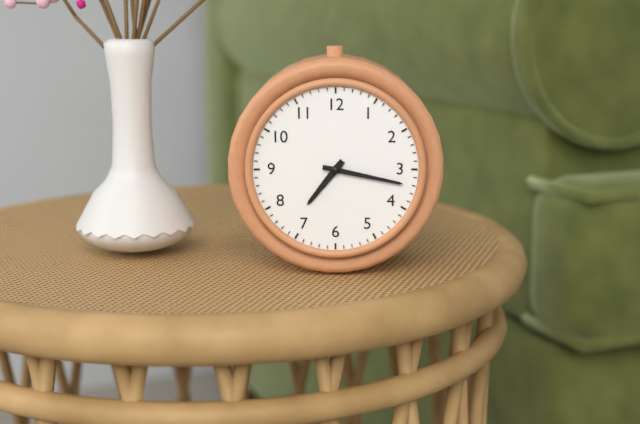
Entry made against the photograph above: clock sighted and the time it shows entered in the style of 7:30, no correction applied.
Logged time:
7:17
